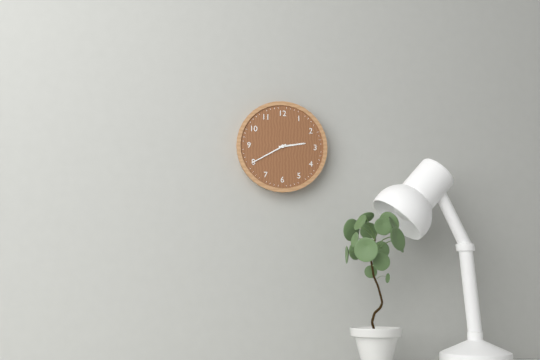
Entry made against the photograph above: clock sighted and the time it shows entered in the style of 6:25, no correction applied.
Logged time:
2:40
